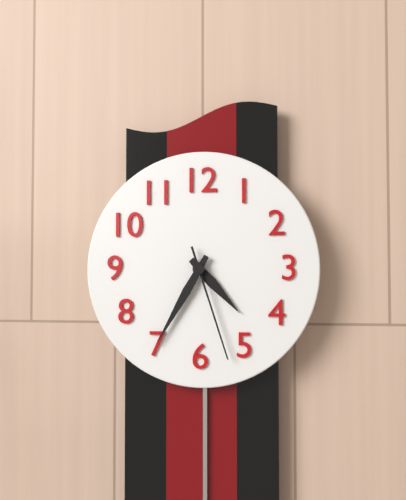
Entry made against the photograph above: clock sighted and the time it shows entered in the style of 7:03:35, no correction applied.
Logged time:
4:35:27
